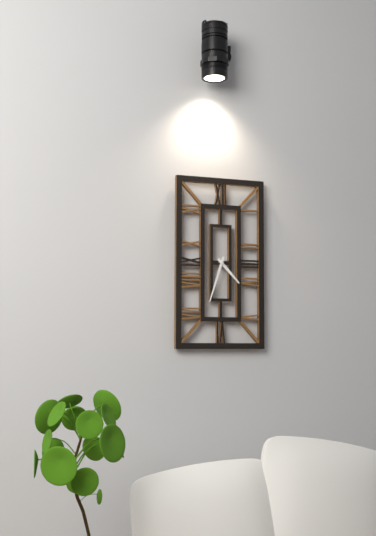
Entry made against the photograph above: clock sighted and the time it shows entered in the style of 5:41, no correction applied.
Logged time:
4:33
